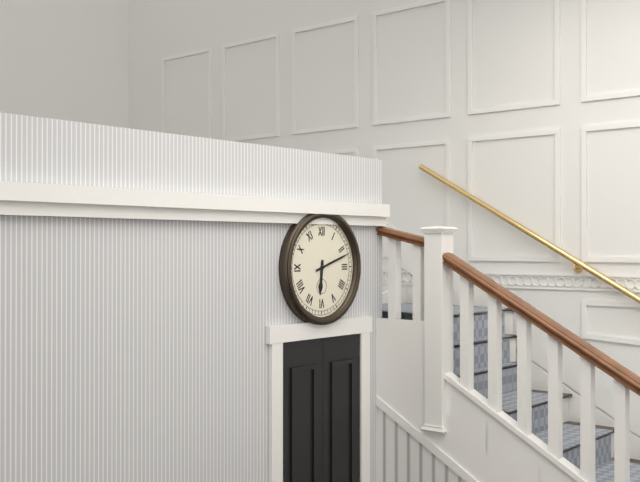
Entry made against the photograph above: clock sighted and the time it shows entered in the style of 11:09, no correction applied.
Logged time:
6:12
